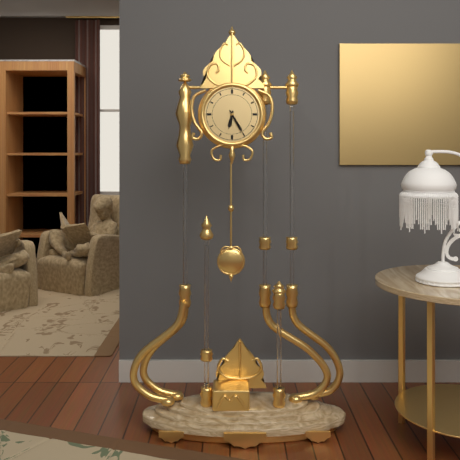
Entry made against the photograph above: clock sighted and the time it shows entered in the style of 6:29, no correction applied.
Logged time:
6:25
